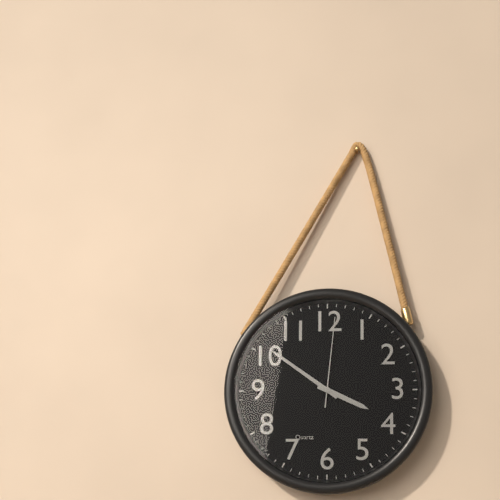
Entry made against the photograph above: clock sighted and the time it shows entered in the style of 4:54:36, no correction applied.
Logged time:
3:51:01
